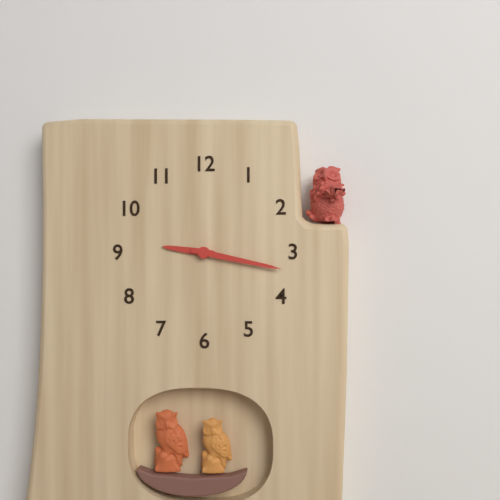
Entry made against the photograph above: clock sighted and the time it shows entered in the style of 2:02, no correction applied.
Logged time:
9:17
